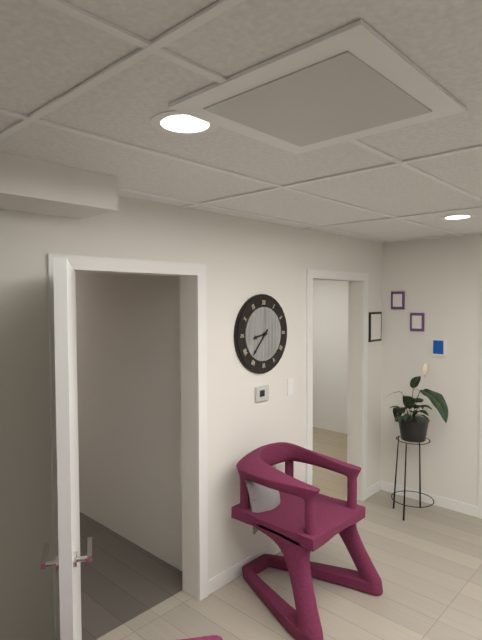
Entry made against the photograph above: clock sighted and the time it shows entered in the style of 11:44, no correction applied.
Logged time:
8:37
